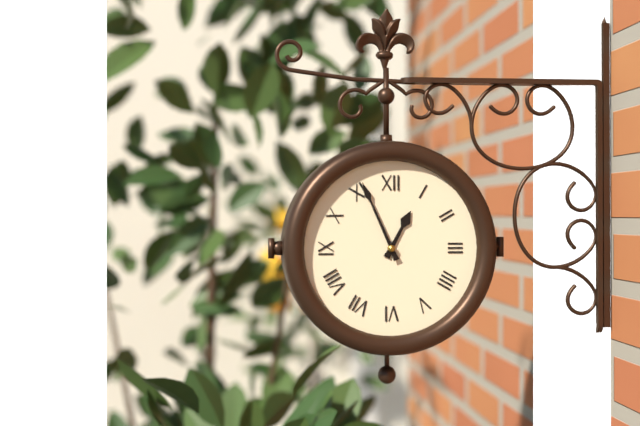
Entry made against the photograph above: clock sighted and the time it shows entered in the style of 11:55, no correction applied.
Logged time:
12:56
